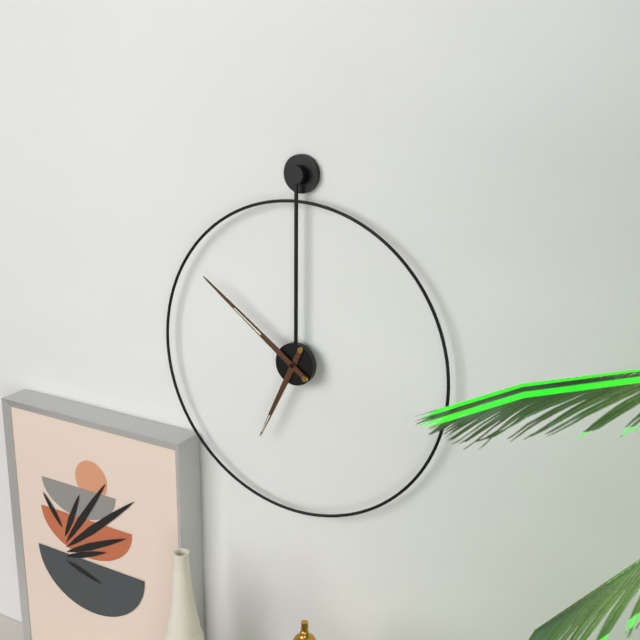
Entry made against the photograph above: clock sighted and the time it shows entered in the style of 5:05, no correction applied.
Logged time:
6:51
